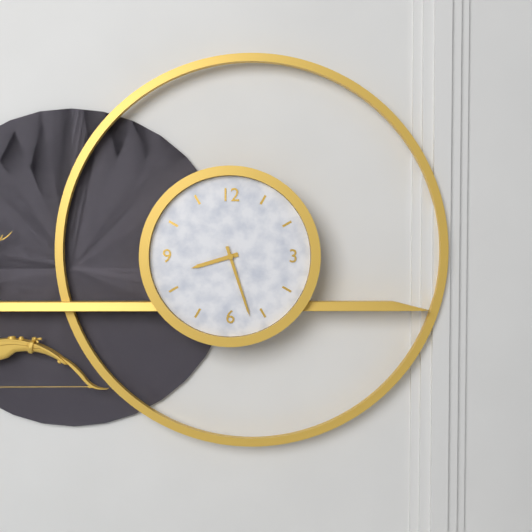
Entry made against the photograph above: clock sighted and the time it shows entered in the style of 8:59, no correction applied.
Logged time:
8:27
